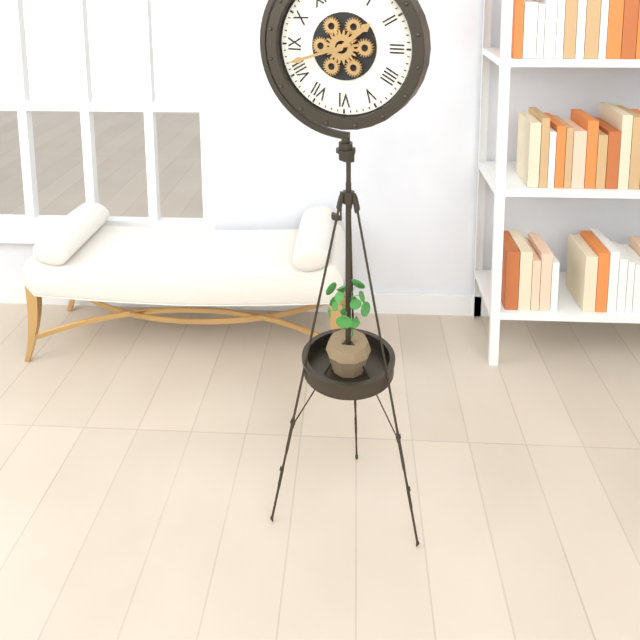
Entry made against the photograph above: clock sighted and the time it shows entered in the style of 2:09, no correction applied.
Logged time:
1:42
